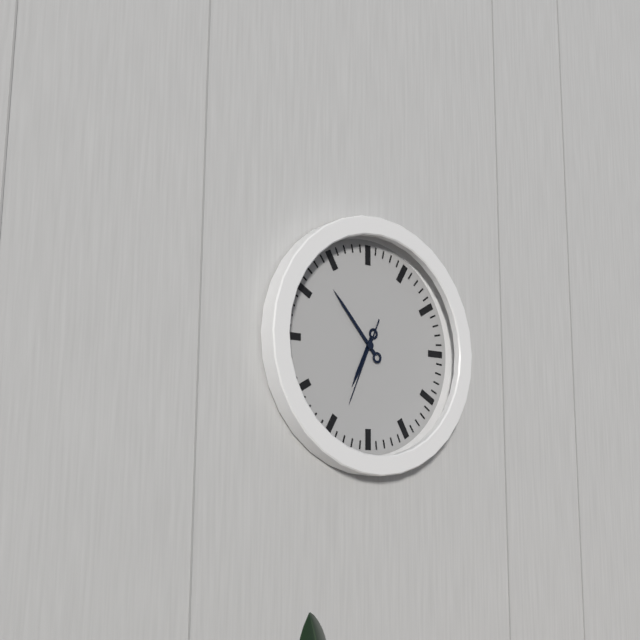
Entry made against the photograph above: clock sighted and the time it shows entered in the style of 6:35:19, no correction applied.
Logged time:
6:53:34
